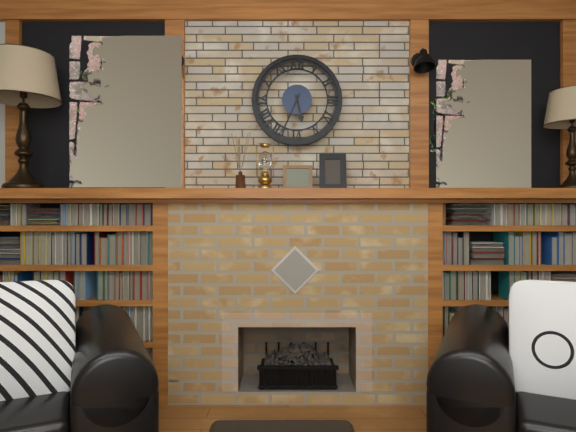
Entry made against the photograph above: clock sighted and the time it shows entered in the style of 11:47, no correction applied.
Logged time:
5:34
